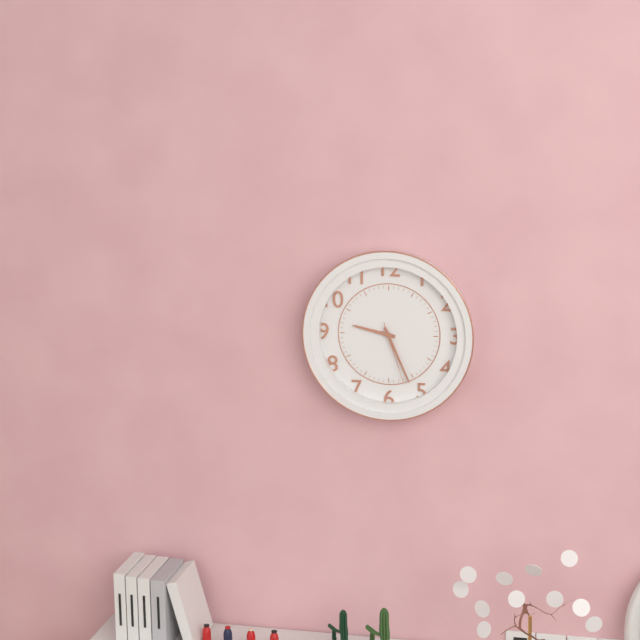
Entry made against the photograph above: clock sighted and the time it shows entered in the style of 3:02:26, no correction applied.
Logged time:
9:26:27
